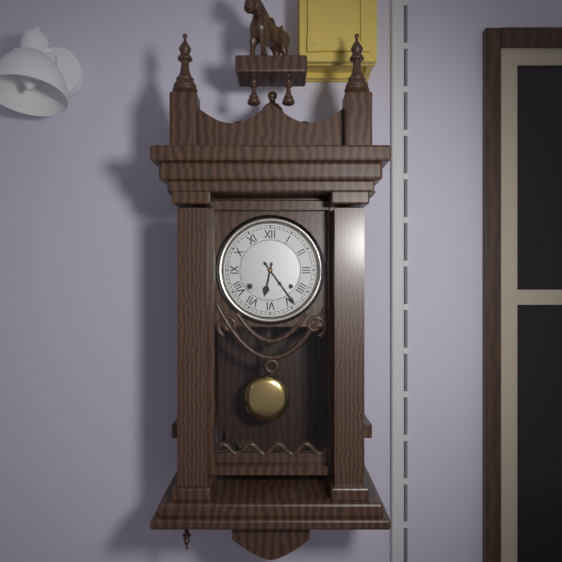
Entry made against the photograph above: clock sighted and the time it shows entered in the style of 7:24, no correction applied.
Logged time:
6:24
